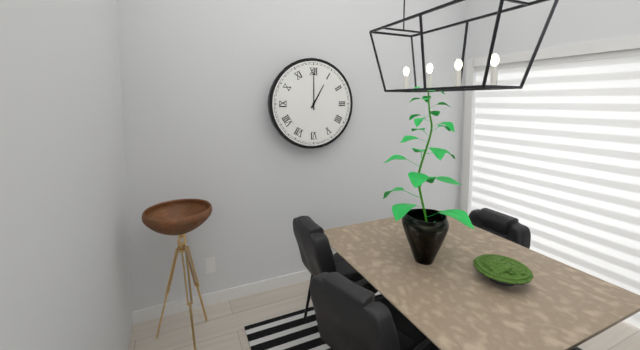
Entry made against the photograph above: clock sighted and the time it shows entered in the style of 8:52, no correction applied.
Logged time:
1:00
